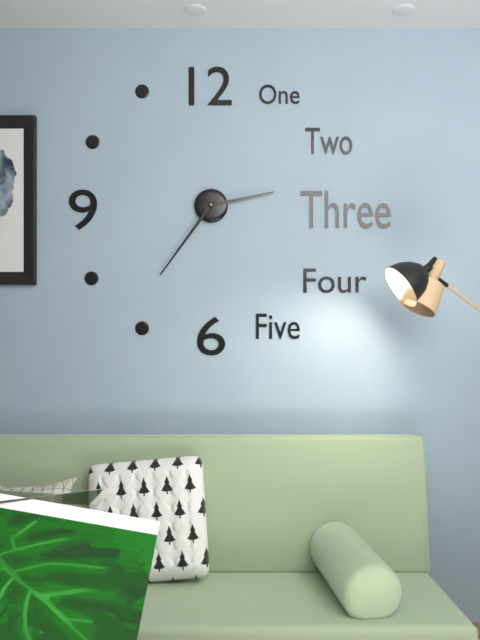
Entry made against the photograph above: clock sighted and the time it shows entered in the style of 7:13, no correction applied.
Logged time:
2:36
